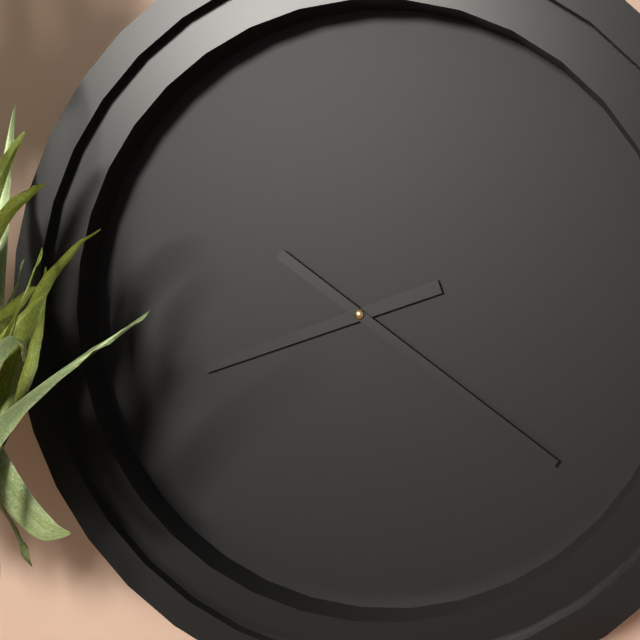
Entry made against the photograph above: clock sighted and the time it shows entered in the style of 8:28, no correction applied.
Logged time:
8:21
